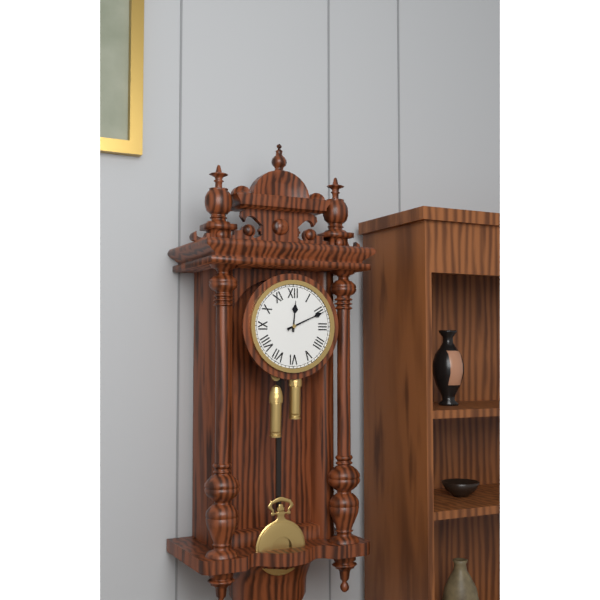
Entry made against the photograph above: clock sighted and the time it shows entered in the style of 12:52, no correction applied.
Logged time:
12:11
